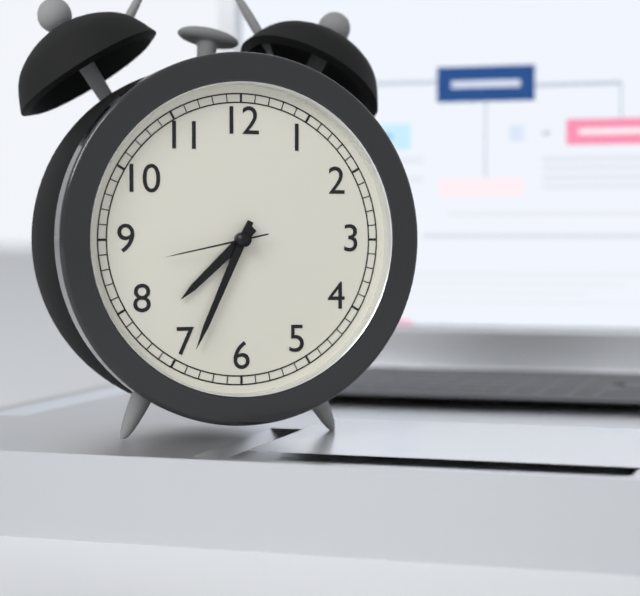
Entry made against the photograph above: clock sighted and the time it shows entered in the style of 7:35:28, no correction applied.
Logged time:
7:34:43
